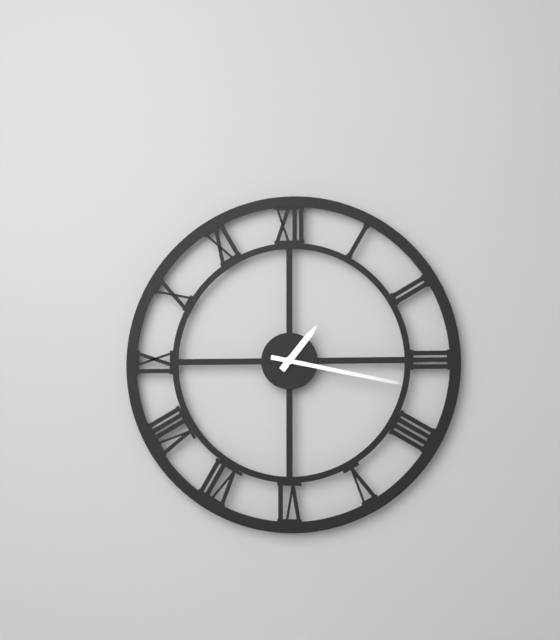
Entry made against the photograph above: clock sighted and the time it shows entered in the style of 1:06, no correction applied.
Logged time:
1:17
